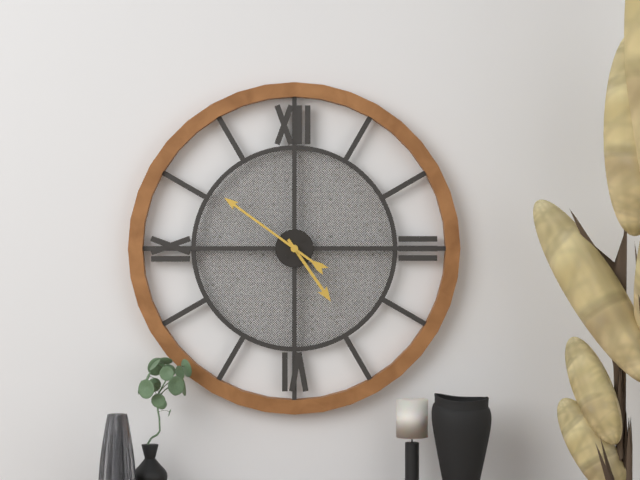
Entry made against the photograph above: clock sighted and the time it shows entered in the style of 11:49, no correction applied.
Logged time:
4:51
